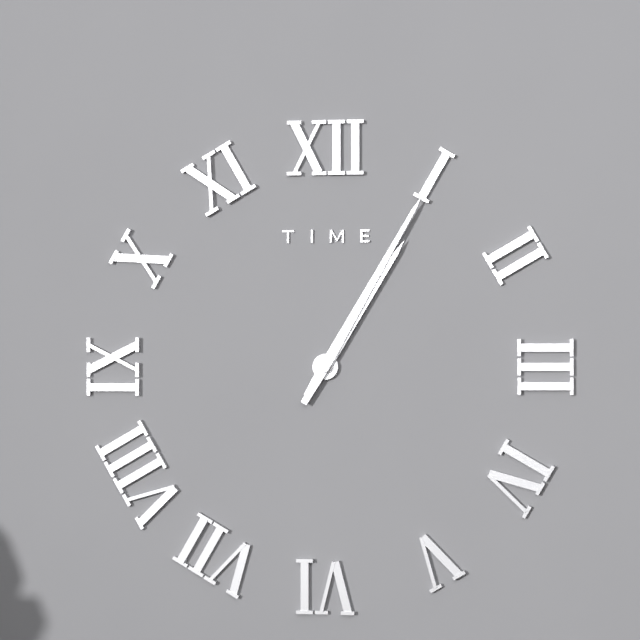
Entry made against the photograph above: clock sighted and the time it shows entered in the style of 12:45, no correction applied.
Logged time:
1:05
